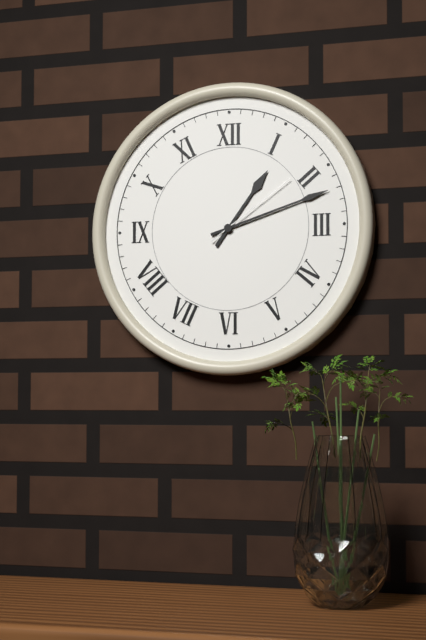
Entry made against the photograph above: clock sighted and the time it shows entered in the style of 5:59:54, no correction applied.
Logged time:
1:12:09
